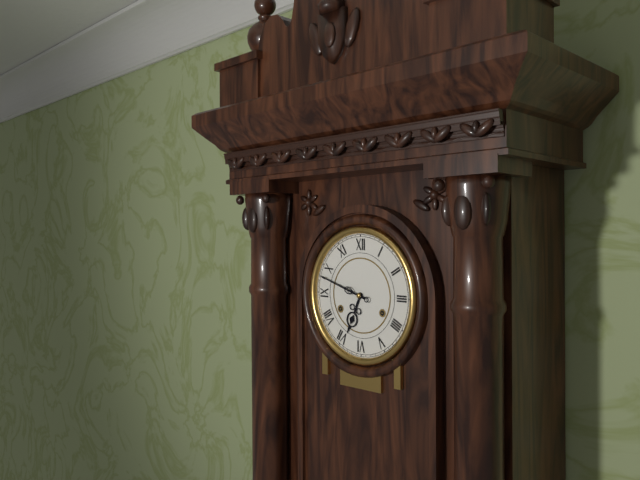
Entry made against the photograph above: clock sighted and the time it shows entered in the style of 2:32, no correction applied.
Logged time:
6:48
